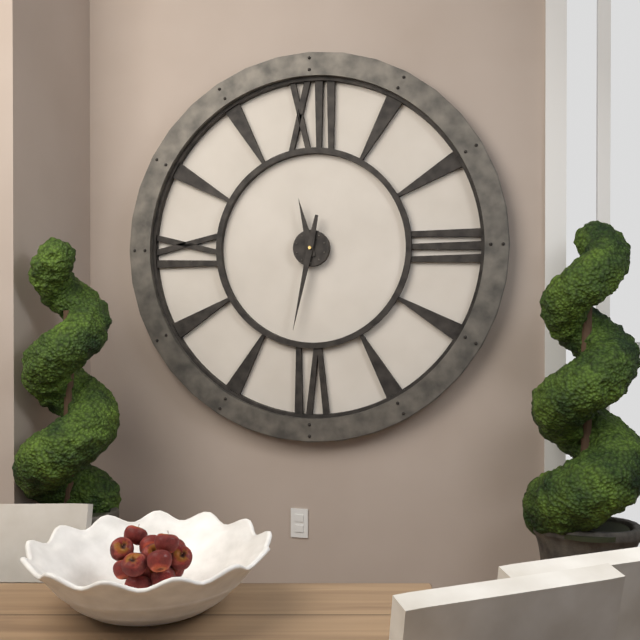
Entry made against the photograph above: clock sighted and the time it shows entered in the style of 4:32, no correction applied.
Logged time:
11:32
